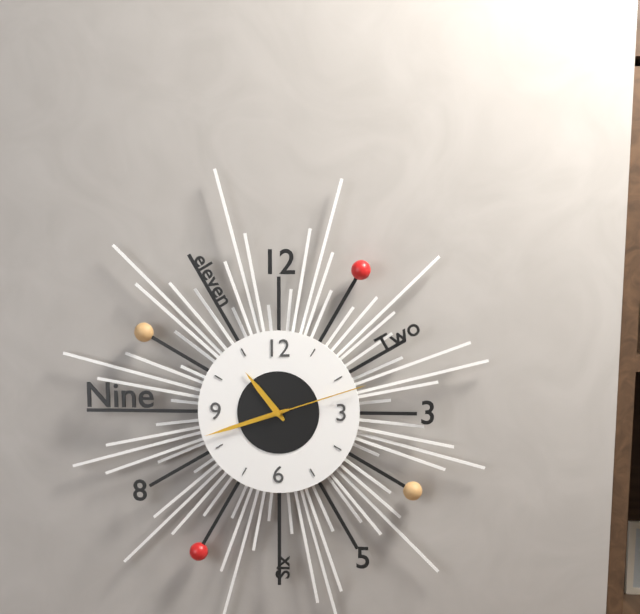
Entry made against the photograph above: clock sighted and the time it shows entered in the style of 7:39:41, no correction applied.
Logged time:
10:42:12
